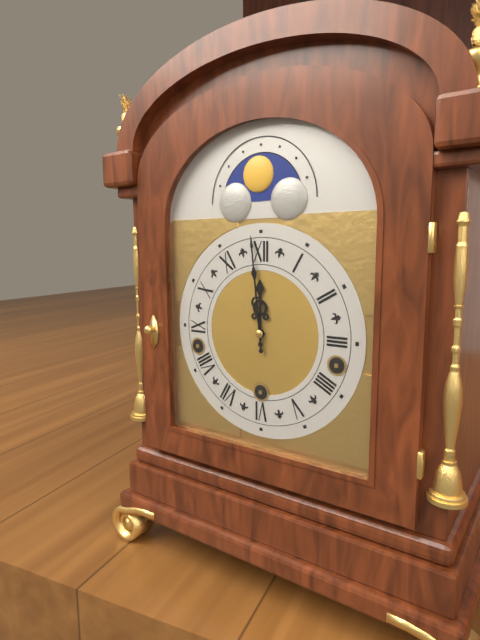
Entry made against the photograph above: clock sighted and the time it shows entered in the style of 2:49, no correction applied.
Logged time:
11:59
